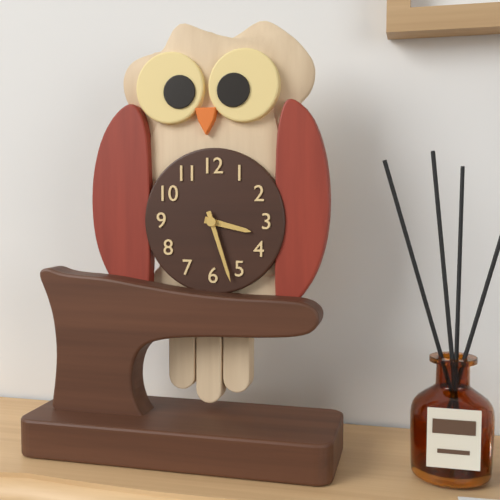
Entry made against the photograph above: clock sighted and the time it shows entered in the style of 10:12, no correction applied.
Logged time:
3:27
